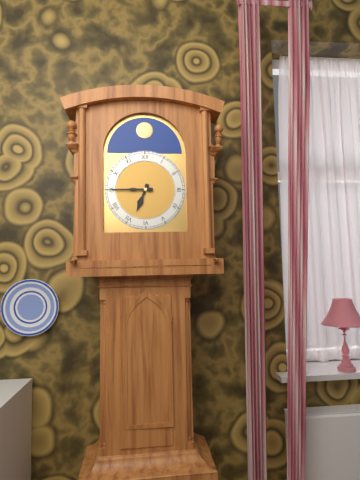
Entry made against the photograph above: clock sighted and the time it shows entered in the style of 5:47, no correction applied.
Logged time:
6:45
